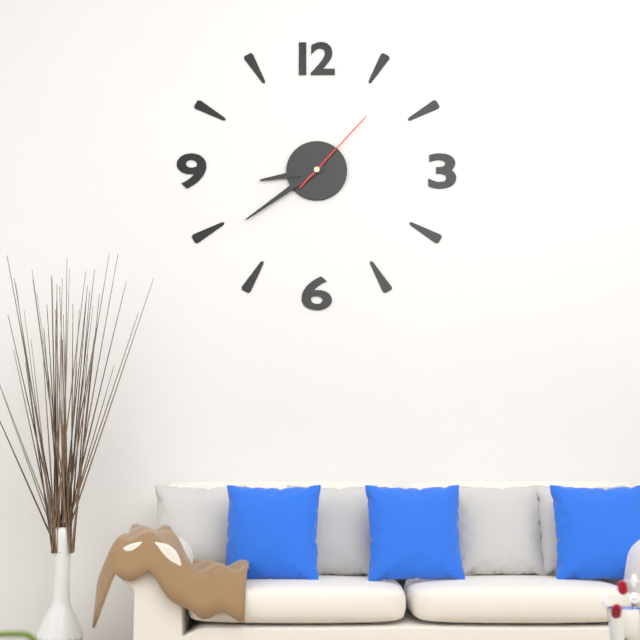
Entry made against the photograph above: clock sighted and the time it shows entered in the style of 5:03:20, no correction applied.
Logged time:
8:39:07
